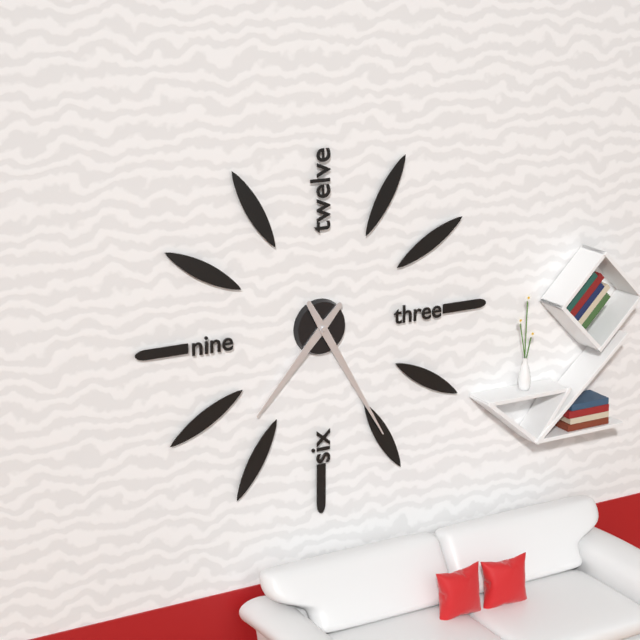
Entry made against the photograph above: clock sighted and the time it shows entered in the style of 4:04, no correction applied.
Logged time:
7:25
